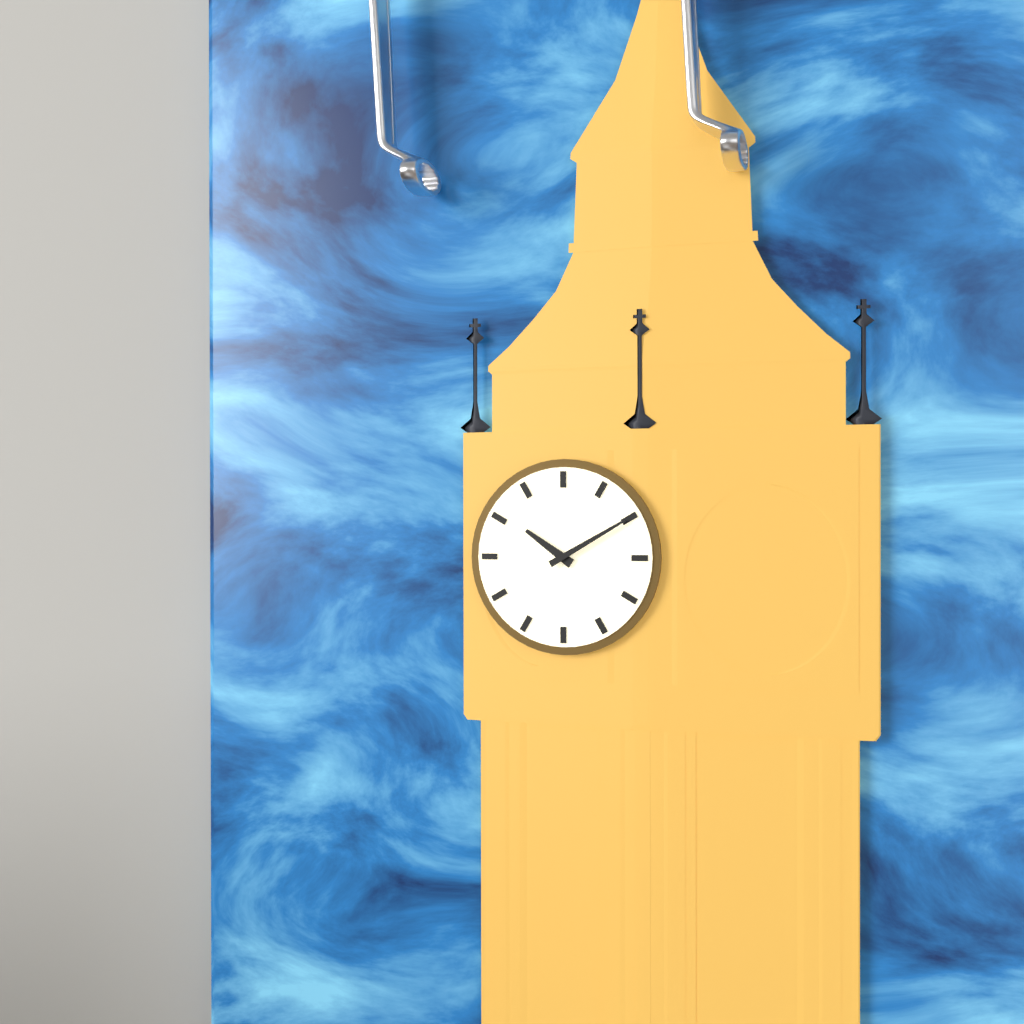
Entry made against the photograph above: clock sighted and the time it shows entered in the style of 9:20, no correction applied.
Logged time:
10:10
